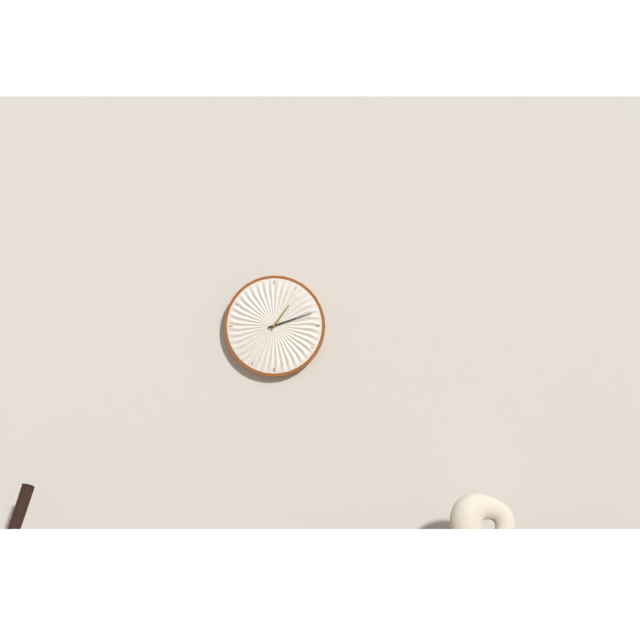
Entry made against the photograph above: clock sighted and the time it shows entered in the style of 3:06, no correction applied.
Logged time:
1:12
